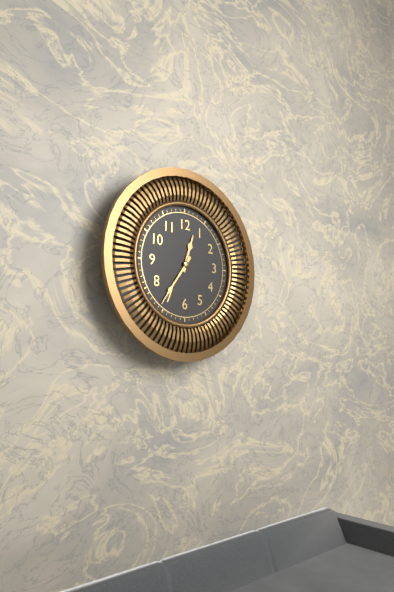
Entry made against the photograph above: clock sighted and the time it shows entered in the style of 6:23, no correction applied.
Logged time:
12:36
